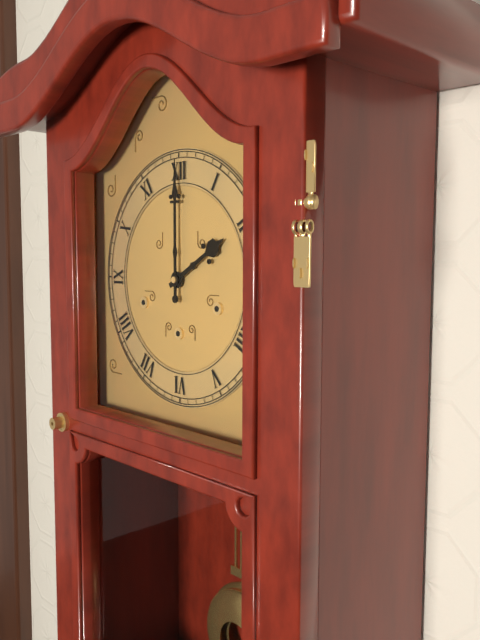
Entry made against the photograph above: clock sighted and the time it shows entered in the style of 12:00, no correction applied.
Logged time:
2:00
